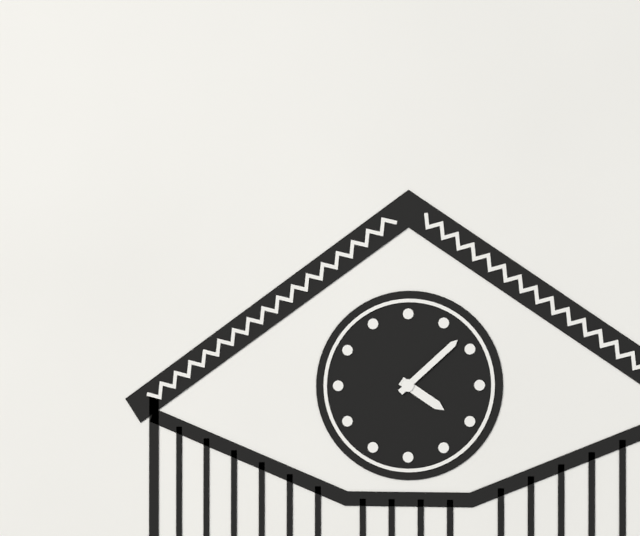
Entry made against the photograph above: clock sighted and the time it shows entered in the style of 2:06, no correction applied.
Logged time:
4:08
